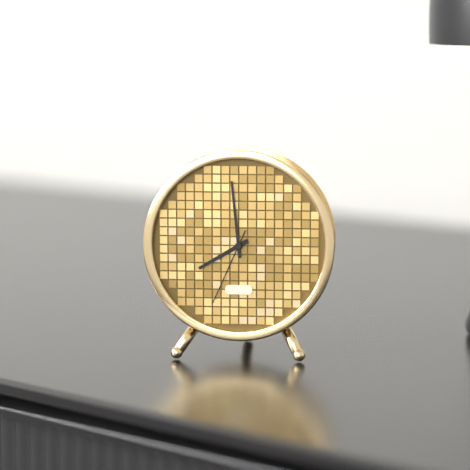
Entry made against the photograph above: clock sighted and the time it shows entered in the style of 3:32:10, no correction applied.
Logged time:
7:59:34
